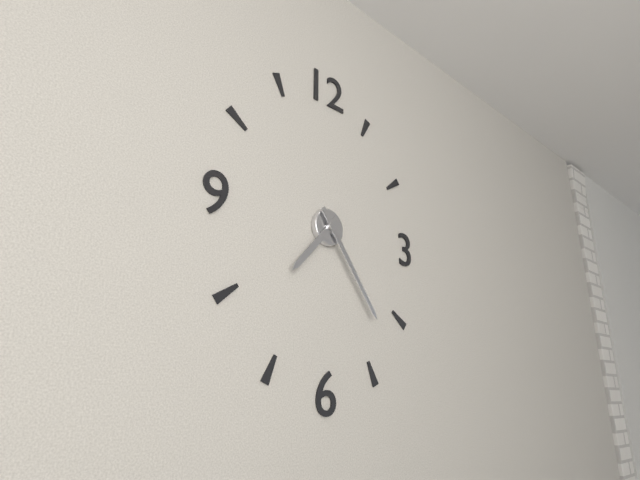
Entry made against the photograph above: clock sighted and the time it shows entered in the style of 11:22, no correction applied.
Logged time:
7:24
